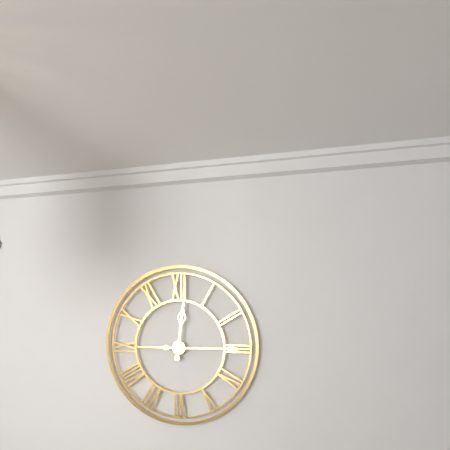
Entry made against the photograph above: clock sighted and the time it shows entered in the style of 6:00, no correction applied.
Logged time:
12:15
